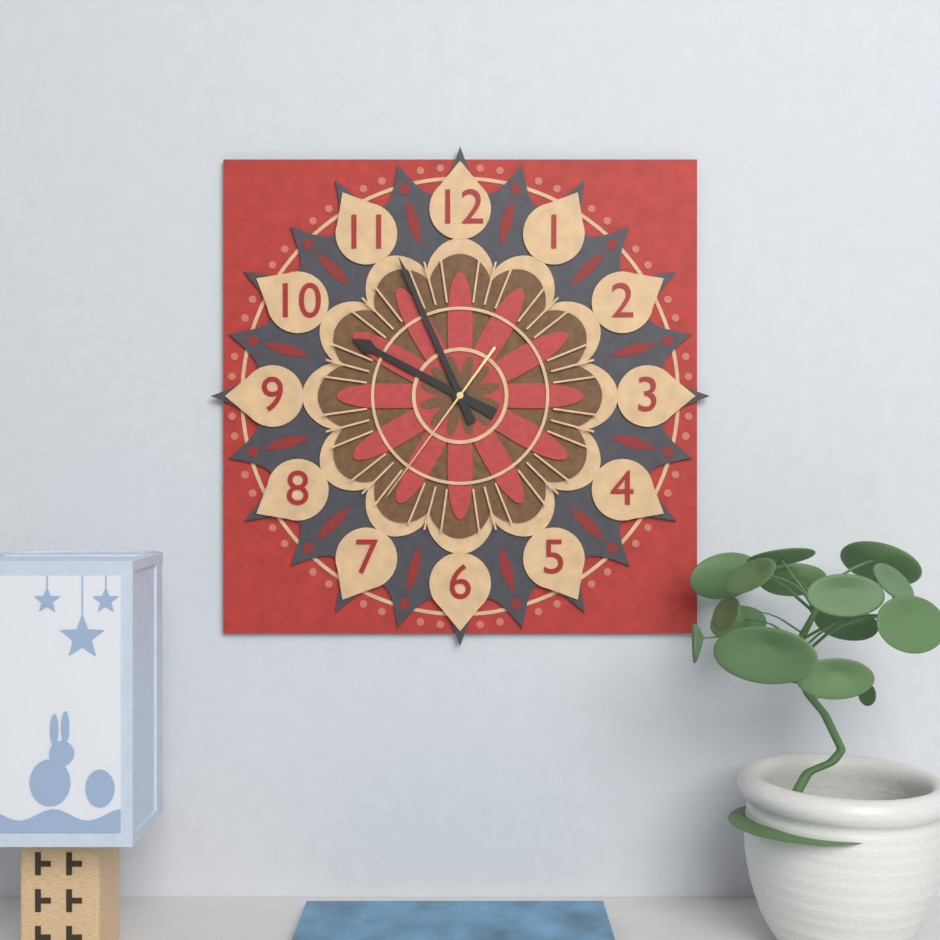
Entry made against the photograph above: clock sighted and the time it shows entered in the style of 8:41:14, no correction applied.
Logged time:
9:56:36
